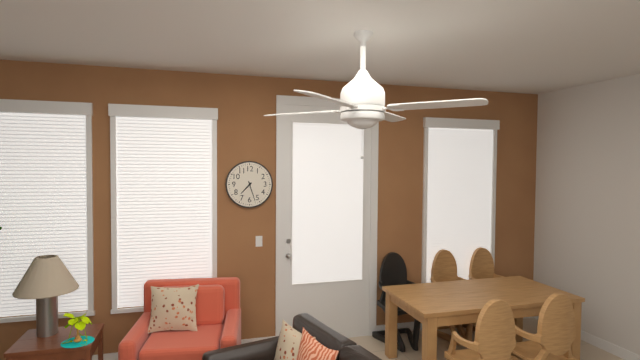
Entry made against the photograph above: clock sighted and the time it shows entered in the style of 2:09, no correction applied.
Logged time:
7:27
